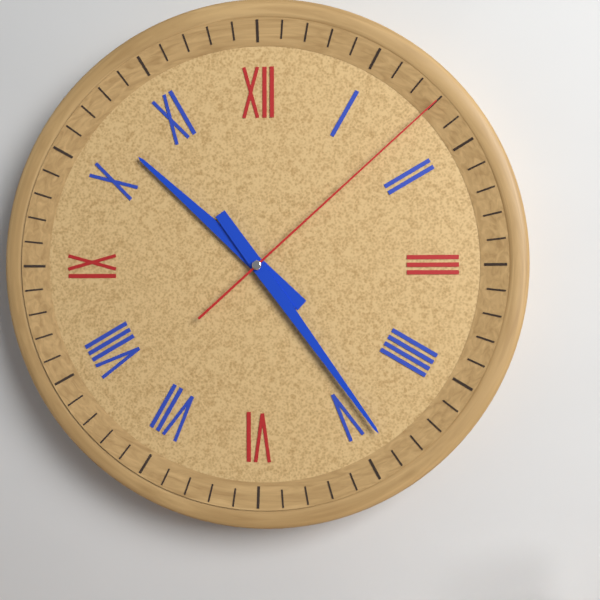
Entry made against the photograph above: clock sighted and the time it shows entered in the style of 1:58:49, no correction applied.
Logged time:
10:24:08
